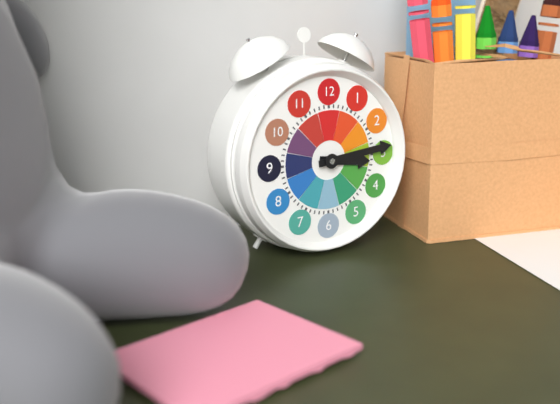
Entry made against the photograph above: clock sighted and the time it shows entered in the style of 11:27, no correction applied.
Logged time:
3:14
